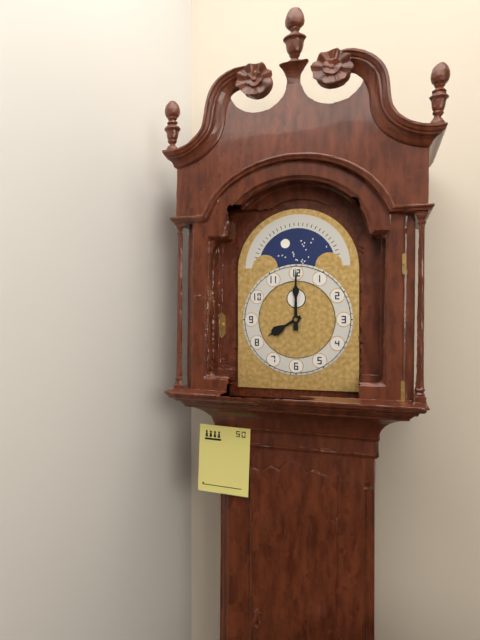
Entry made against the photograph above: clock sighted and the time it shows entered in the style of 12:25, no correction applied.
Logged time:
8:00
